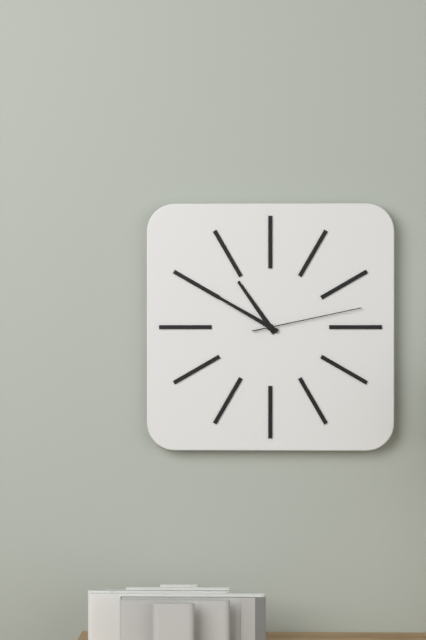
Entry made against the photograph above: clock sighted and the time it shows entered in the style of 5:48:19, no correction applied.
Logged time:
10:50:13
